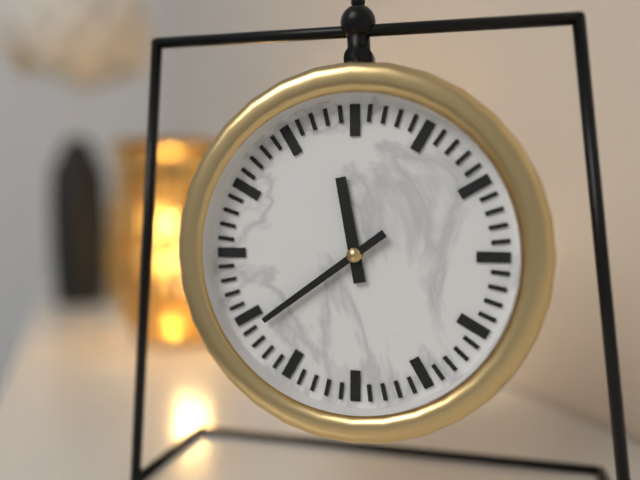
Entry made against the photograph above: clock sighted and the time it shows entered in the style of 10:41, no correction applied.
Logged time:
11:39
